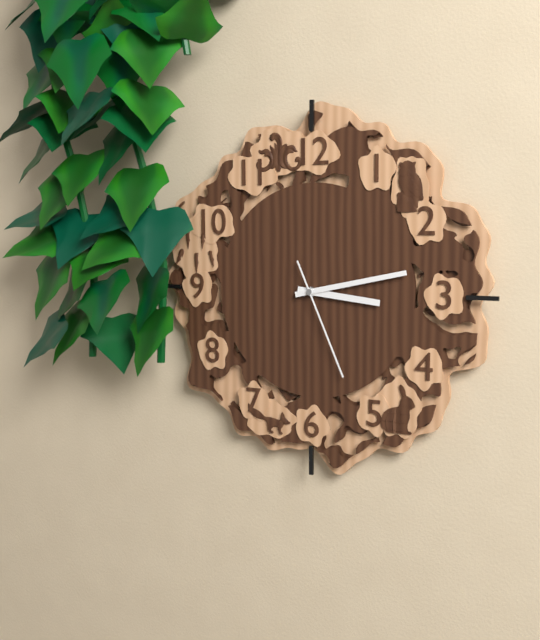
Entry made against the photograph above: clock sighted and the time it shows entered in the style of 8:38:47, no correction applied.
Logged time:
3:13:26
